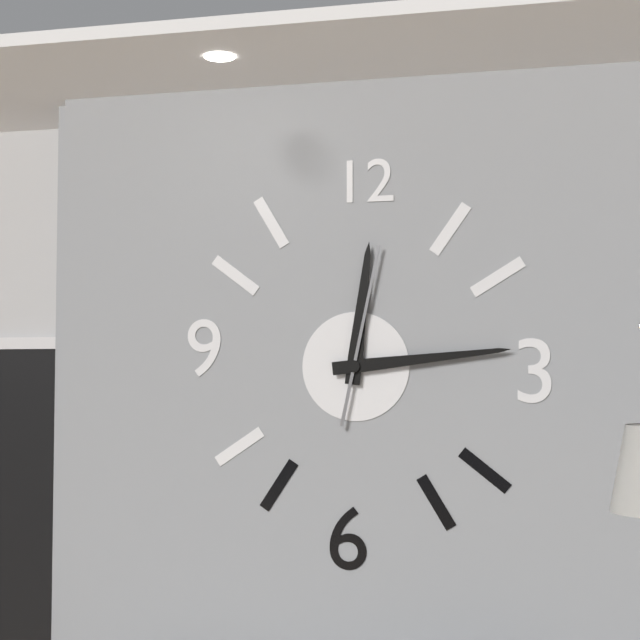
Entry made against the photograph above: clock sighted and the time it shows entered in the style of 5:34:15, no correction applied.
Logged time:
12:14:02
